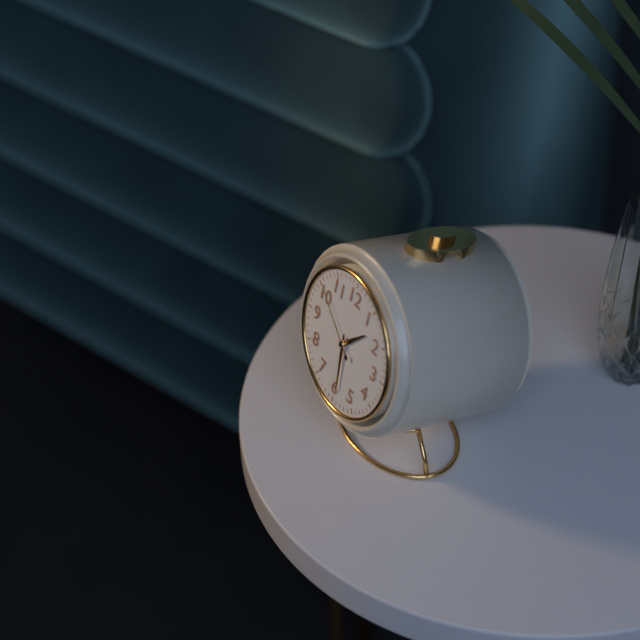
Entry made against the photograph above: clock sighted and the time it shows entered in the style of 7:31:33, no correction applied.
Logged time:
1:29:51
